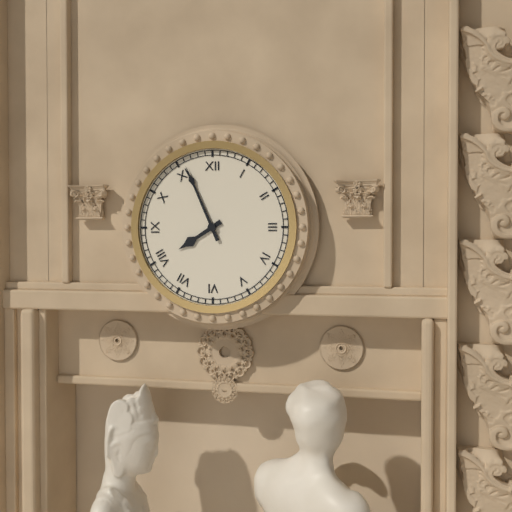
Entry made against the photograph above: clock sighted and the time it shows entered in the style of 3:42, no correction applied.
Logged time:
7:56
